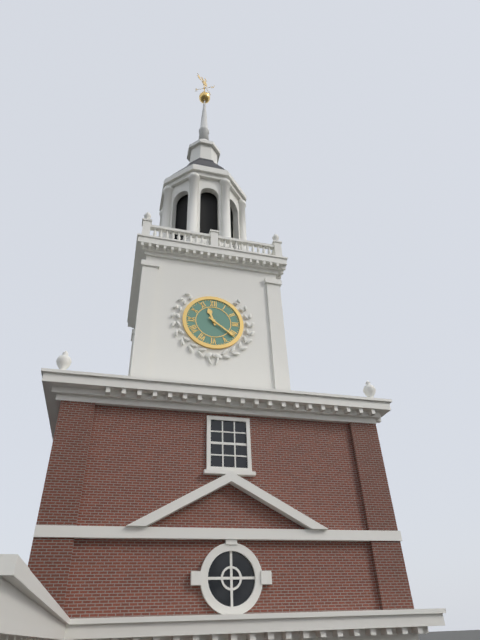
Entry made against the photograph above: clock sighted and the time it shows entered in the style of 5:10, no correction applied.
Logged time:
11:21
